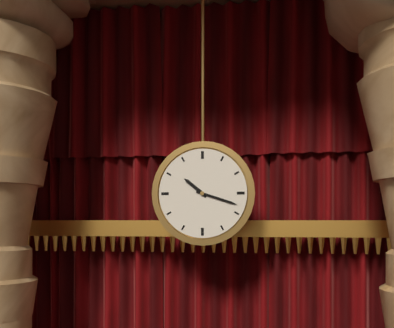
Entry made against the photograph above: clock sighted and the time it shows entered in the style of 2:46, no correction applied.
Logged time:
10:18
